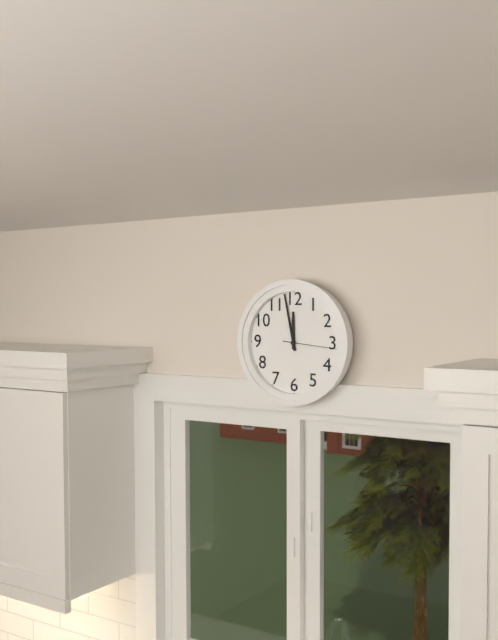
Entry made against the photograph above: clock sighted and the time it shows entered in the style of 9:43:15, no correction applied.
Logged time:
11:58:16
